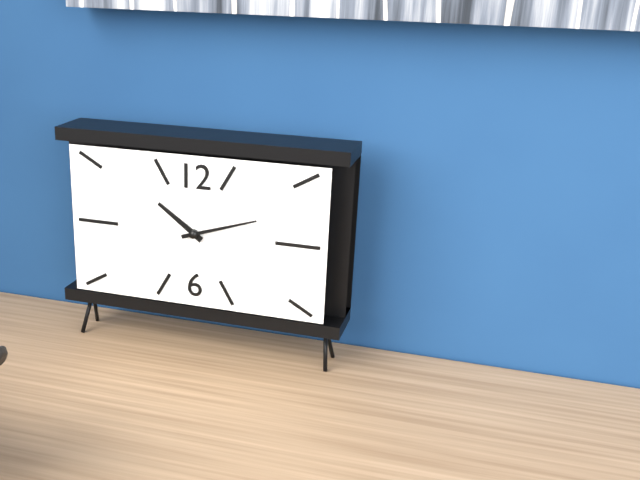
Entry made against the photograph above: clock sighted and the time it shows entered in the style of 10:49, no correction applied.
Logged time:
10:12
